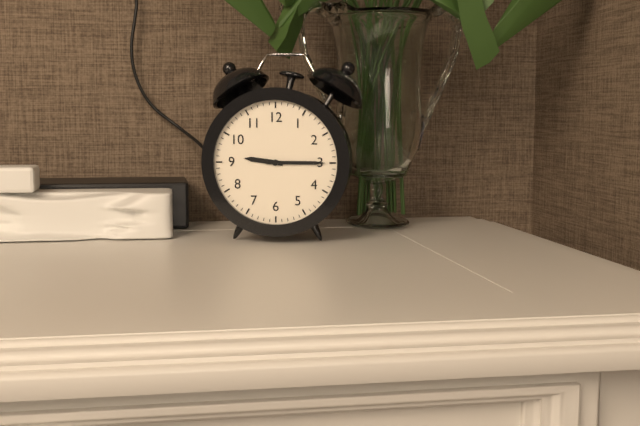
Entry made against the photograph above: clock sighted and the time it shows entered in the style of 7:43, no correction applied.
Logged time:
9:15
